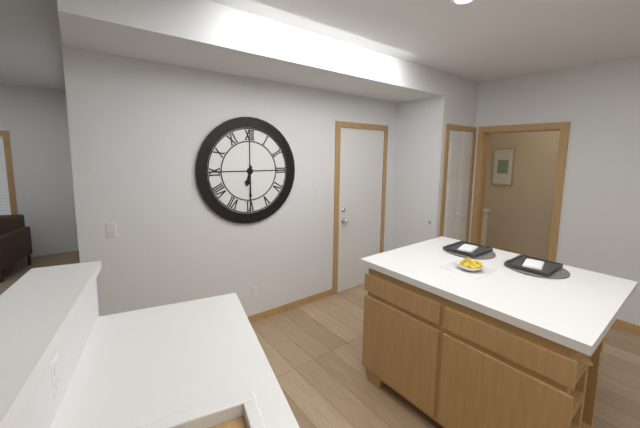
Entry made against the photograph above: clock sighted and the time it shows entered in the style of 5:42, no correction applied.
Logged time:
6:30
